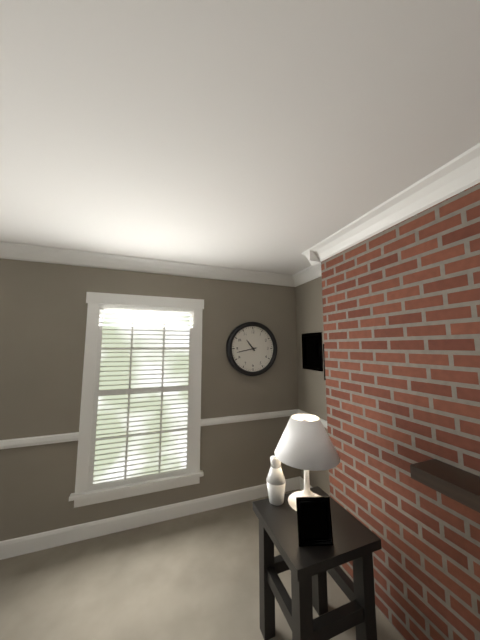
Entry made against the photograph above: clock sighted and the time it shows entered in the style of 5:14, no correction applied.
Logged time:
10:43
